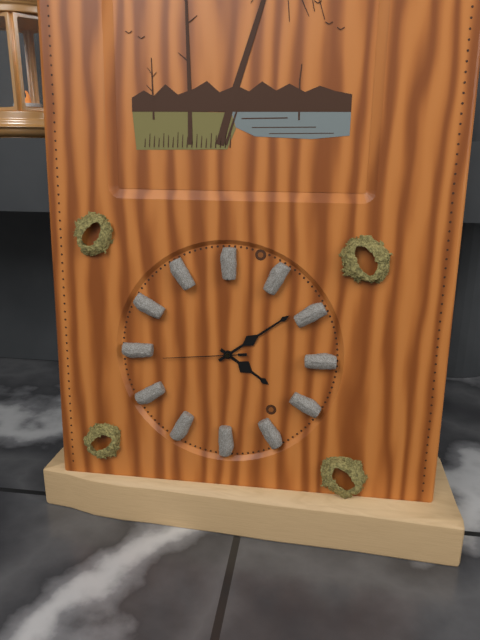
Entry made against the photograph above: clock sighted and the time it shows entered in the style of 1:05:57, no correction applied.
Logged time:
4:09:44
